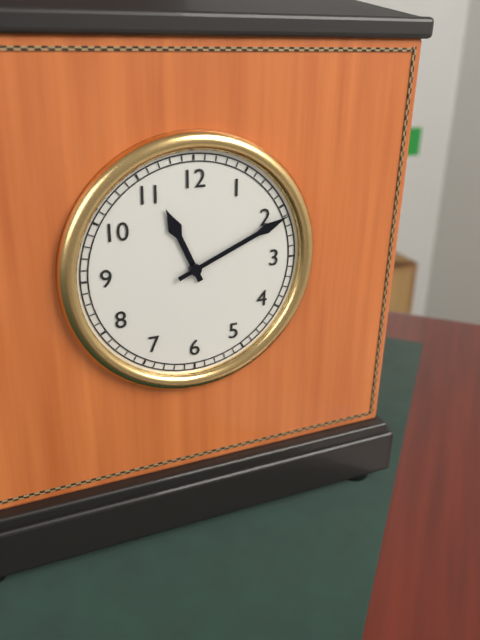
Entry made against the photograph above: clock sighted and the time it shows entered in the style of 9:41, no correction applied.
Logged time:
11:11
